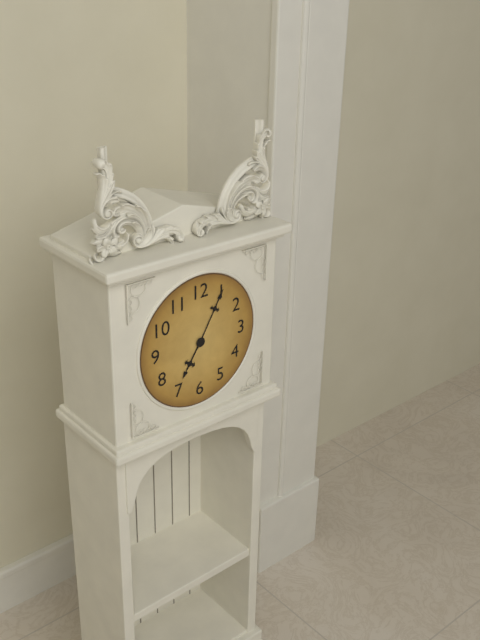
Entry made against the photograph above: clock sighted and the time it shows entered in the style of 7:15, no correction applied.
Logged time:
7:05
